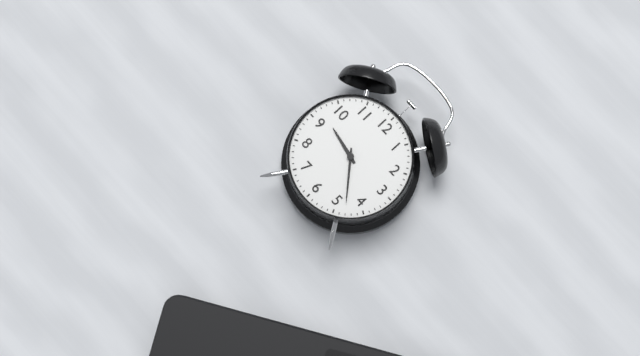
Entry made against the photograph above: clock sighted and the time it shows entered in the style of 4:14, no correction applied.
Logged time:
9:23
